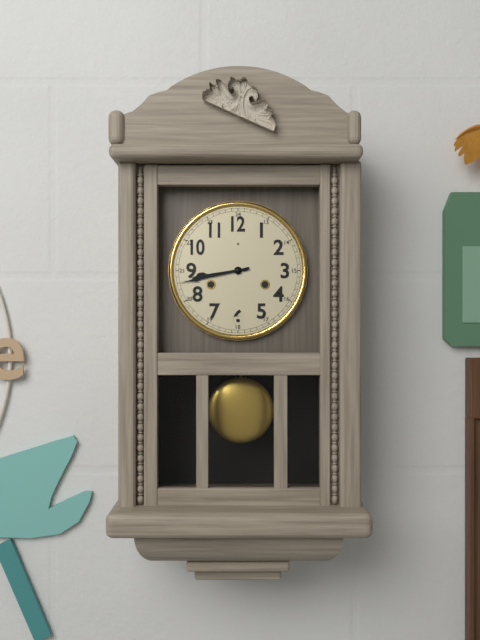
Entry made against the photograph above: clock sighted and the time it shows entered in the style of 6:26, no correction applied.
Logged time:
8:43
